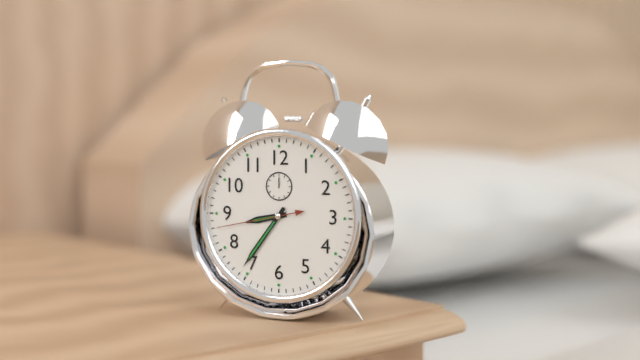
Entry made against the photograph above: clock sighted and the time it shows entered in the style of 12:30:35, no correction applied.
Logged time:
8:36:43
